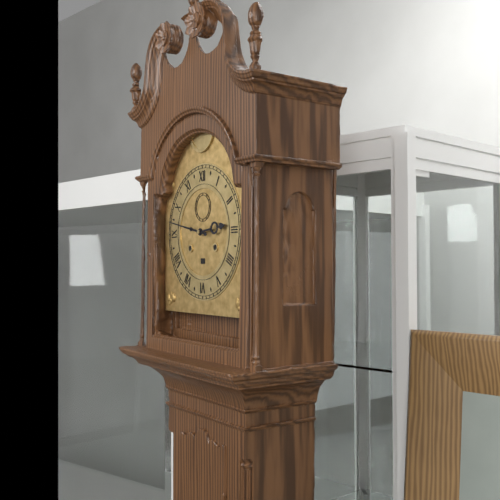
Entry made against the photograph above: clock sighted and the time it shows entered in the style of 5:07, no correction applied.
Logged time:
2:47
